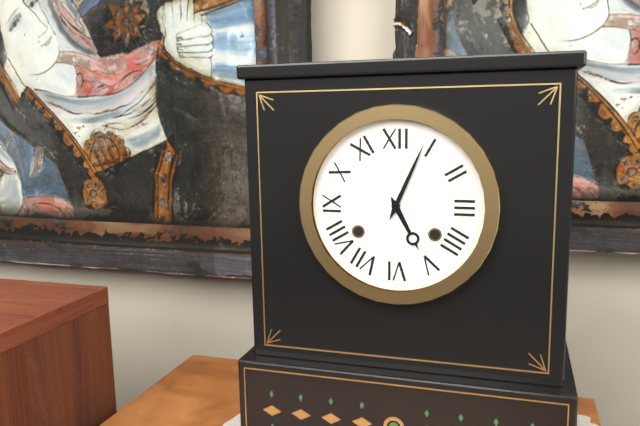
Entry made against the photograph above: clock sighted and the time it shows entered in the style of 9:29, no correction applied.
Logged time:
5:04
